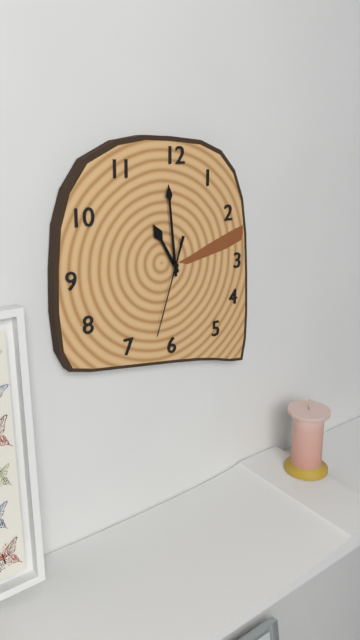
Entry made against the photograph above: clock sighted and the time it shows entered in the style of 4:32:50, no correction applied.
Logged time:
10:59:33
